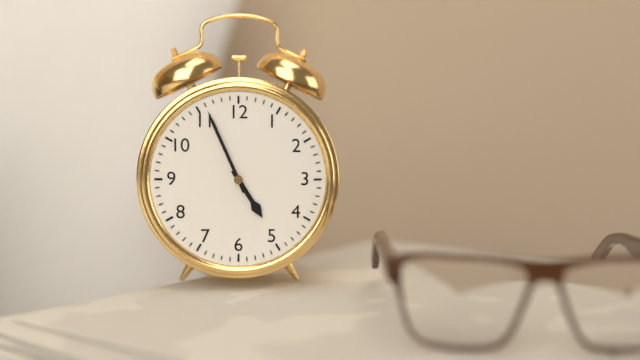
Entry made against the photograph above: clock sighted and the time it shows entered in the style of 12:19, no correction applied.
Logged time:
4:56
